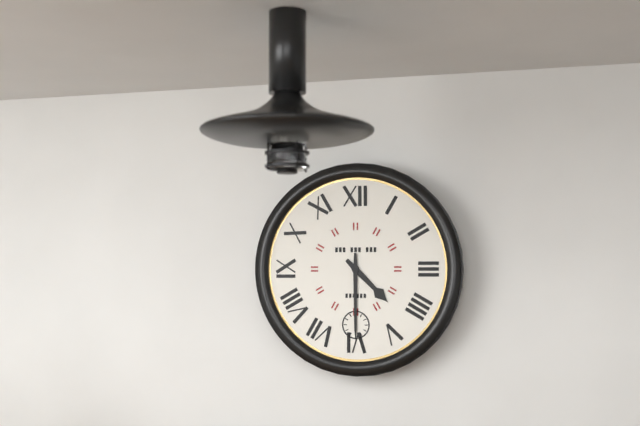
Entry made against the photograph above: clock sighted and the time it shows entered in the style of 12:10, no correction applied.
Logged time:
4:30
